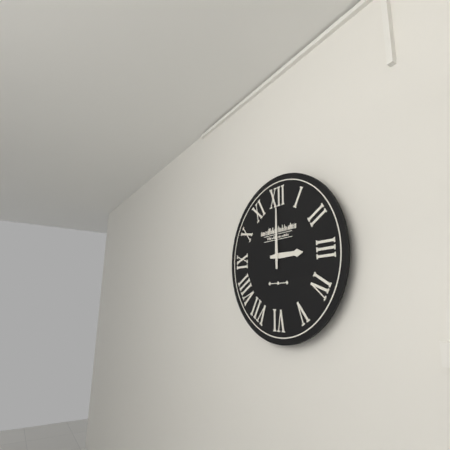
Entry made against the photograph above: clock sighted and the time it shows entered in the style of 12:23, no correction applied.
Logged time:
3:00
